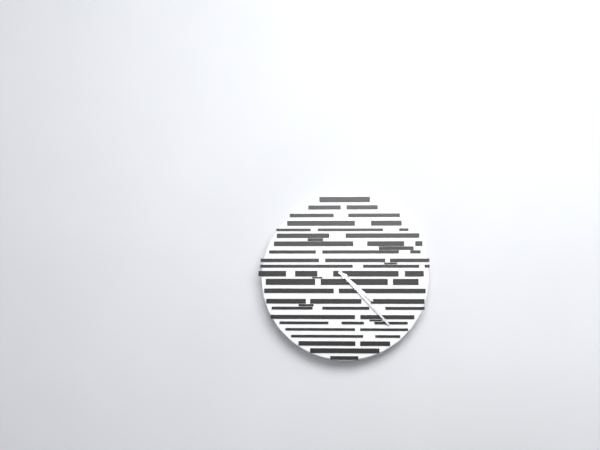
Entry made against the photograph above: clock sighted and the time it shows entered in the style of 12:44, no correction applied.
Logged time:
4:23
